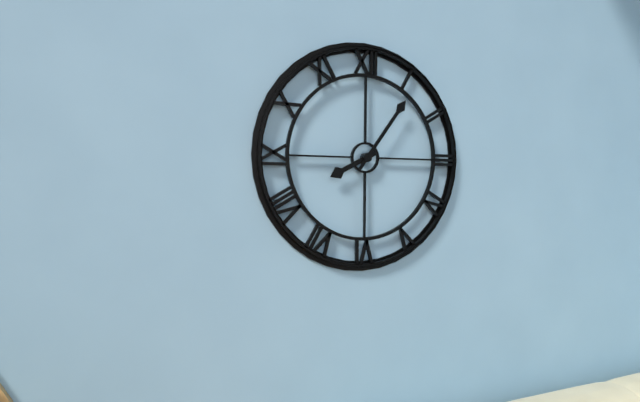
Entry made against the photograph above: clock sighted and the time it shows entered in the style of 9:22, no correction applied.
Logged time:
8:06
